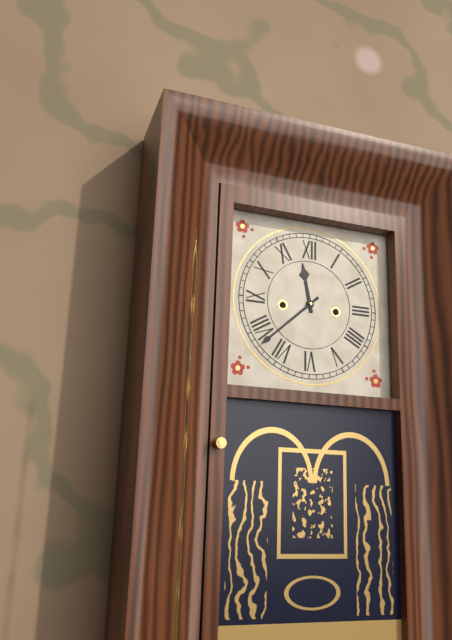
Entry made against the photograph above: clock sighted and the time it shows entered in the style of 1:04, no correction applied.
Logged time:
11:38
